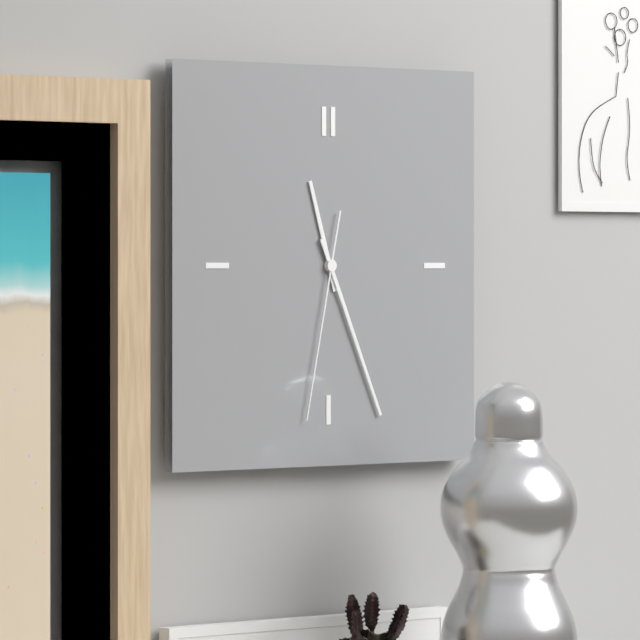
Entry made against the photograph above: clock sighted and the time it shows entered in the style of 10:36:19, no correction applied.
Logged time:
11:26:32
